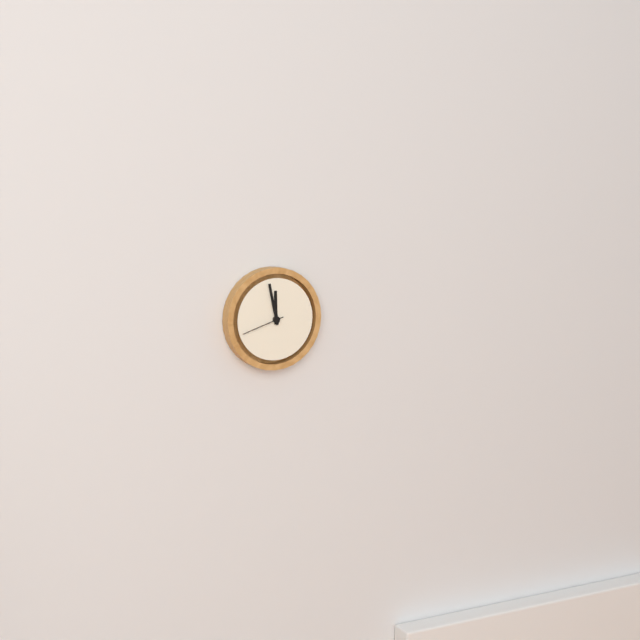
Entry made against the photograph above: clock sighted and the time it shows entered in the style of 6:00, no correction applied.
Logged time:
11:58
